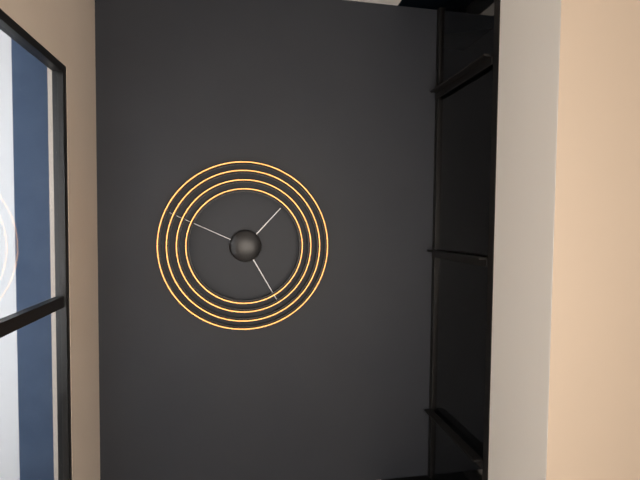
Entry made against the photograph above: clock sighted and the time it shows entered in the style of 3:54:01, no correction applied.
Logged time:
1:25:49
